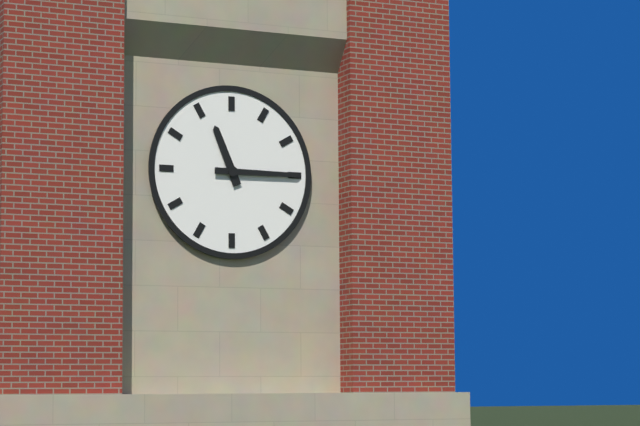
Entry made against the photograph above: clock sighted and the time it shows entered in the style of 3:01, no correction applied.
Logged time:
11:15
